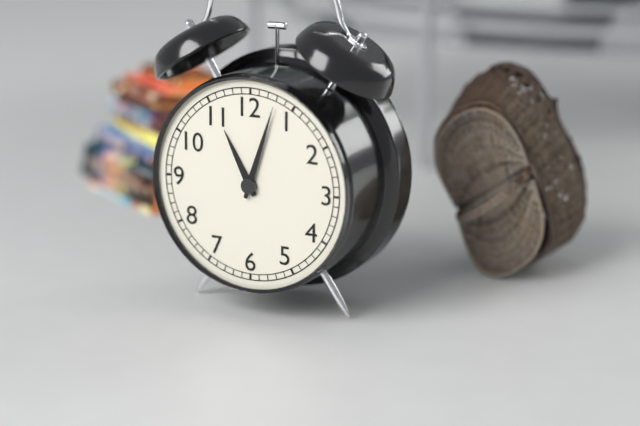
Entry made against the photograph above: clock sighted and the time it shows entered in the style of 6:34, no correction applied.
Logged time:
11:03
